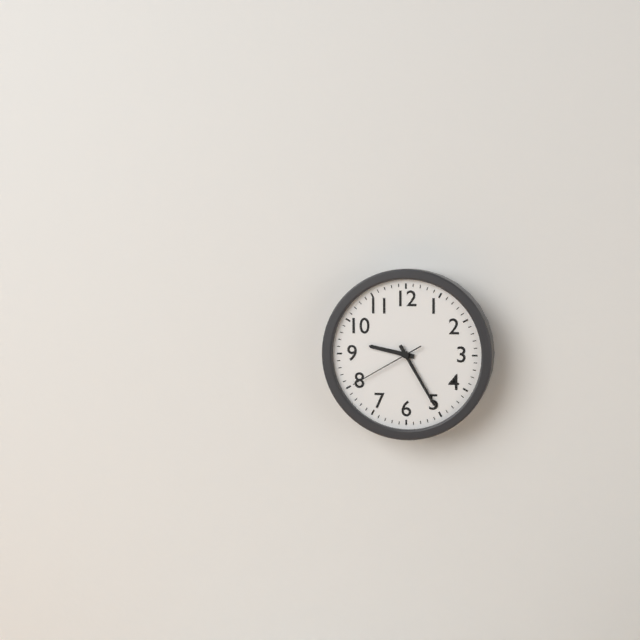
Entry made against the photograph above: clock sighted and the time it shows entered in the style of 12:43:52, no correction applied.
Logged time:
9:25:40
